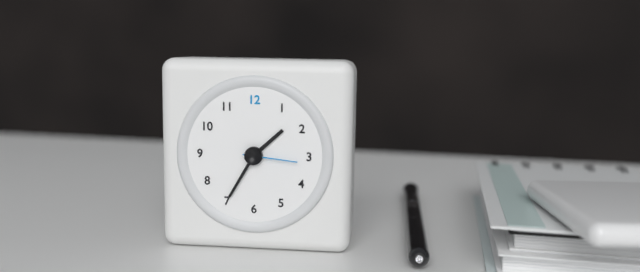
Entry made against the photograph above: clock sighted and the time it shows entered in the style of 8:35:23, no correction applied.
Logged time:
1:35:16
